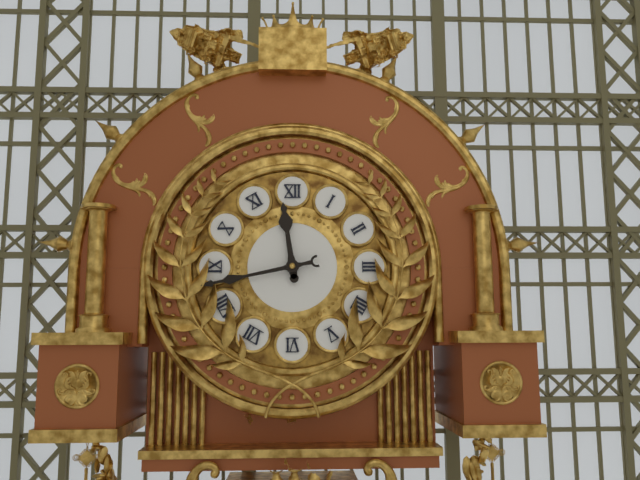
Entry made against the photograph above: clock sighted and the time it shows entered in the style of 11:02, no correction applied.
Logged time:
11:43
